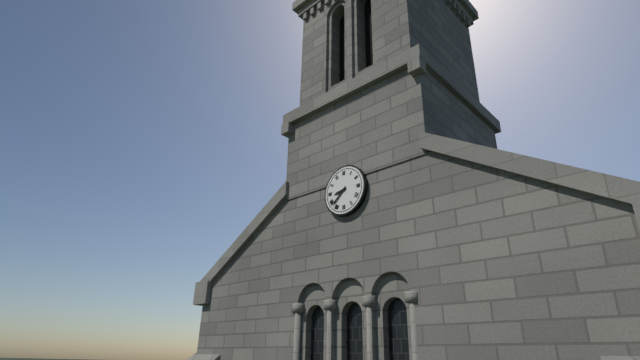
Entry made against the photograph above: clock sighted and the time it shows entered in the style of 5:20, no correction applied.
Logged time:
8:38
